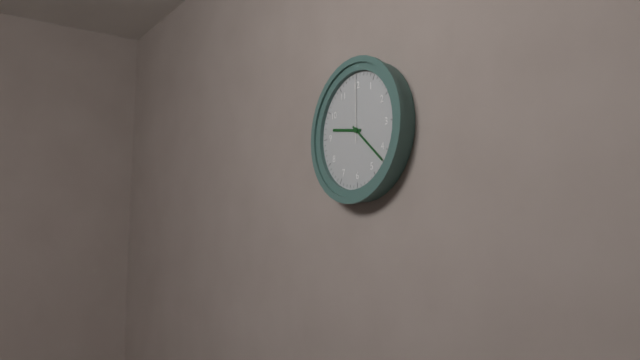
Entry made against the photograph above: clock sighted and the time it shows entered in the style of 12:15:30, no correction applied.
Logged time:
9:22:00
